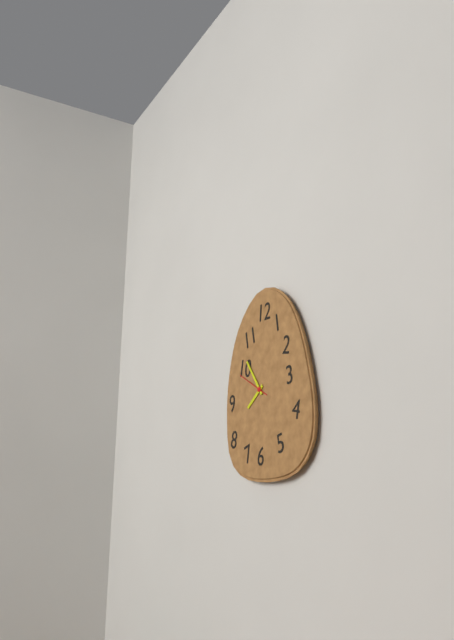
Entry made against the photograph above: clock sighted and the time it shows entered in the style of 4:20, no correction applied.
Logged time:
7:54
